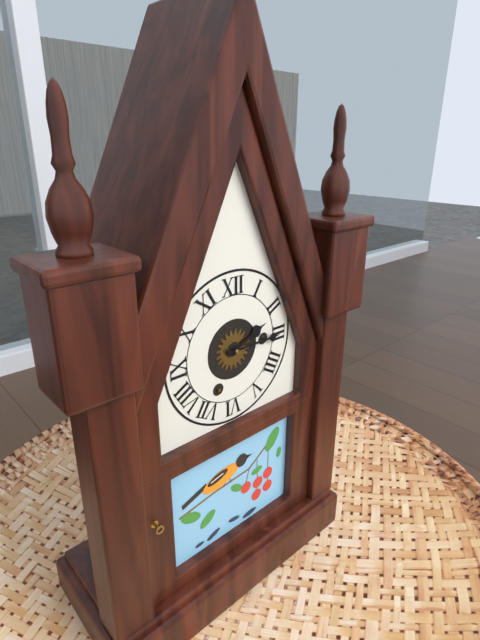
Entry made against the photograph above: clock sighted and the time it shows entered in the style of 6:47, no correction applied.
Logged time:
2:15
